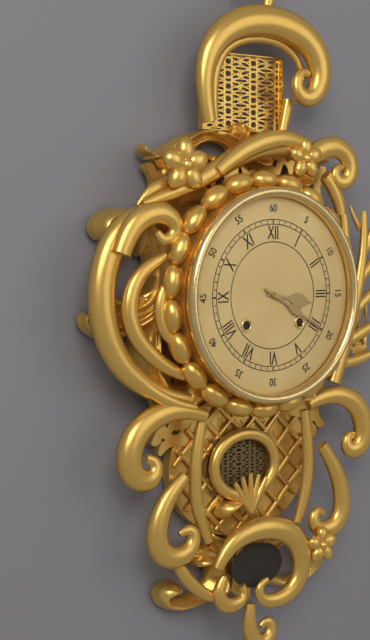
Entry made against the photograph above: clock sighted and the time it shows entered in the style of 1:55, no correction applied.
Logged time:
3:20
